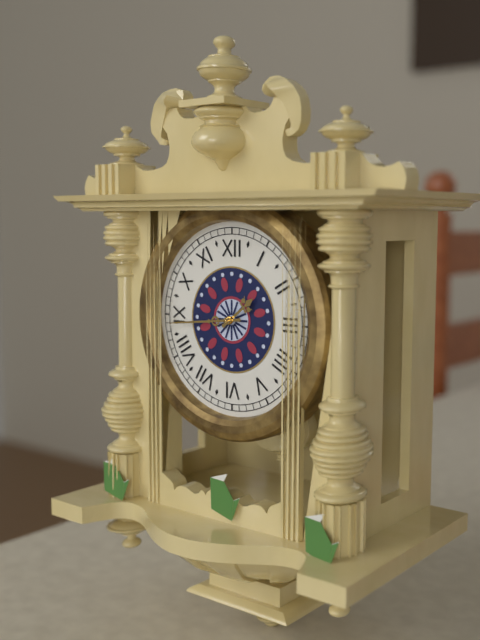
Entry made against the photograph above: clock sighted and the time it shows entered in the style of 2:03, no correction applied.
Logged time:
1:44
